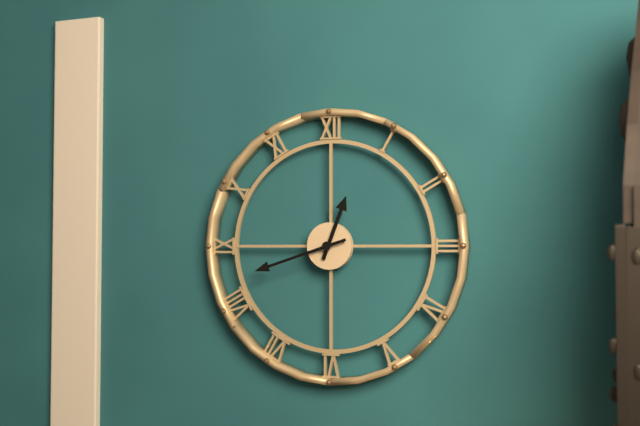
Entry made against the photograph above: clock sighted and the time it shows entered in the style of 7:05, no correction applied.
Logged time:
12:42
